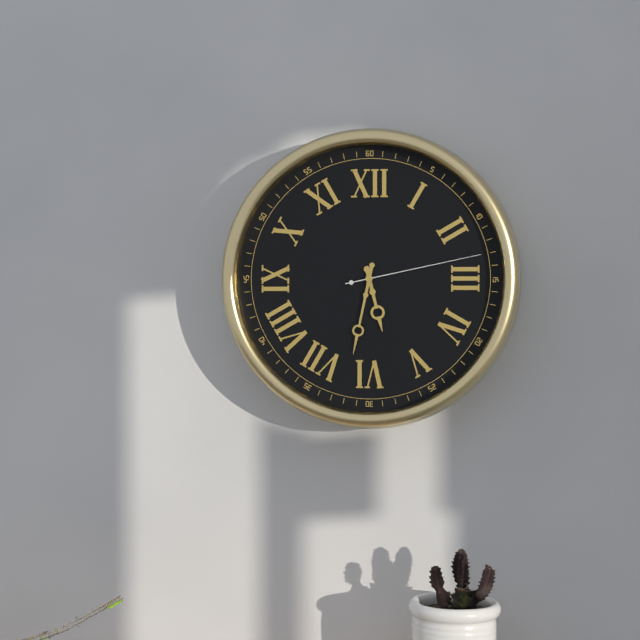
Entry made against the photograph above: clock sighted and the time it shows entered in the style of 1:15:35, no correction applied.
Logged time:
5:32:13
